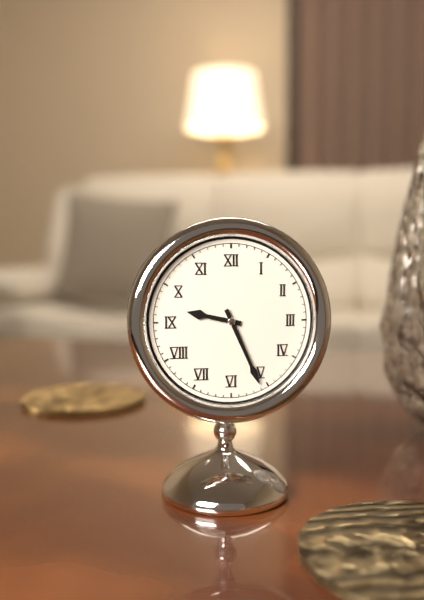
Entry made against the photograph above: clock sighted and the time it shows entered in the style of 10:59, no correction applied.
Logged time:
9:26
